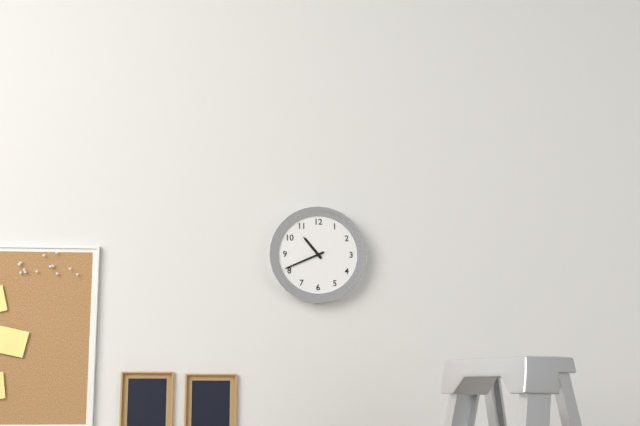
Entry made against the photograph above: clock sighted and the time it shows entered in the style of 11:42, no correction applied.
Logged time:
10:41
